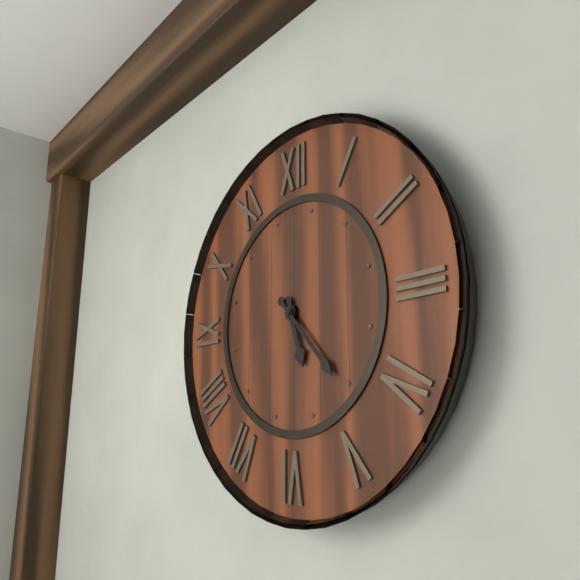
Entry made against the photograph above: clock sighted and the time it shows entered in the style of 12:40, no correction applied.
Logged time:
5:23
